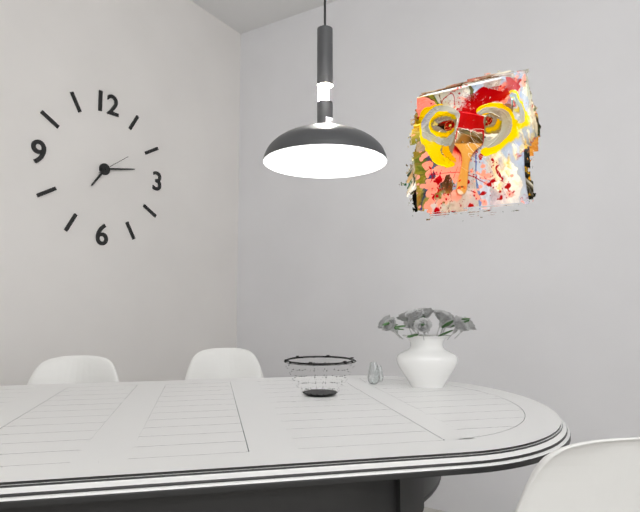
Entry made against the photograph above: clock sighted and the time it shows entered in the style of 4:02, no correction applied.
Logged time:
7:13
